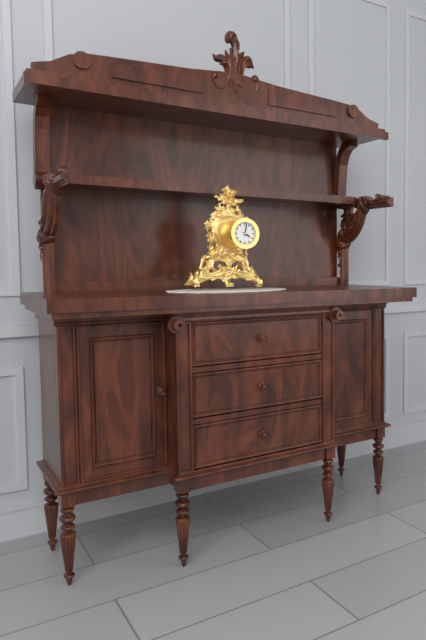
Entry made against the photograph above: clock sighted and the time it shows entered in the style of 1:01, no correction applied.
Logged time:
4:02
